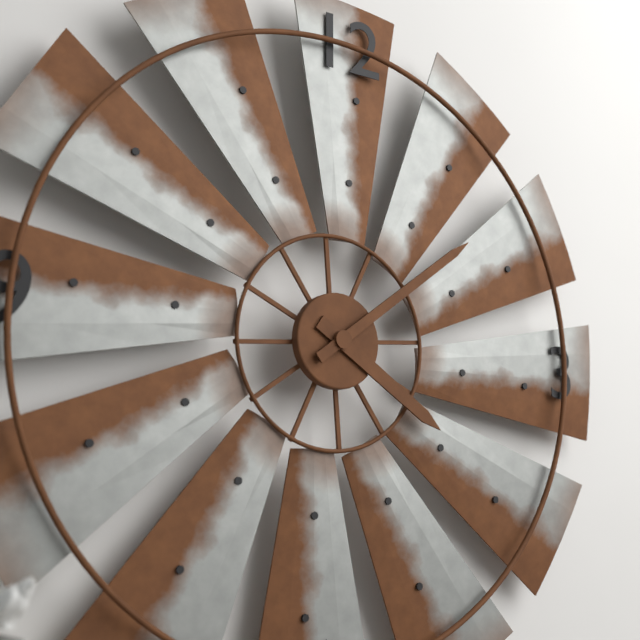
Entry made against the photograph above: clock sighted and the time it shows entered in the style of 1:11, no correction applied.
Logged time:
4:09
